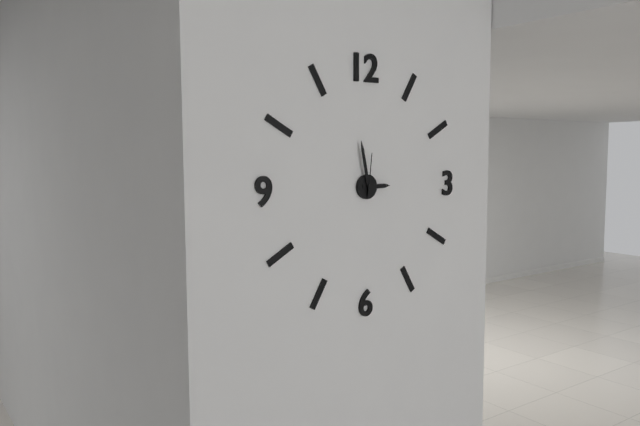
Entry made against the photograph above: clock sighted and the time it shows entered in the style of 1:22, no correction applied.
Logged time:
2:58
